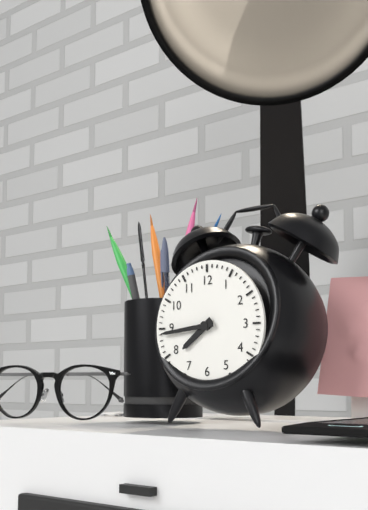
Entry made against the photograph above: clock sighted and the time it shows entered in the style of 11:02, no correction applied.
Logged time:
7:44
